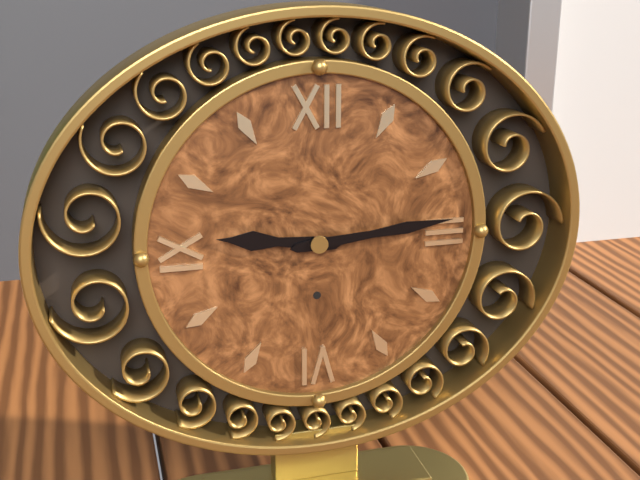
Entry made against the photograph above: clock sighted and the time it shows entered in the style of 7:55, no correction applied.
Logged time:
9:14
